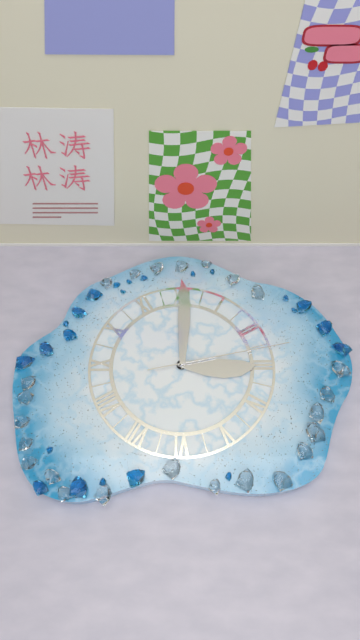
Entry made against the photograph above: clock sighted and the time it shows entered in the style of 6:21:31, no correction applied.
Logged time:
3:00:13
